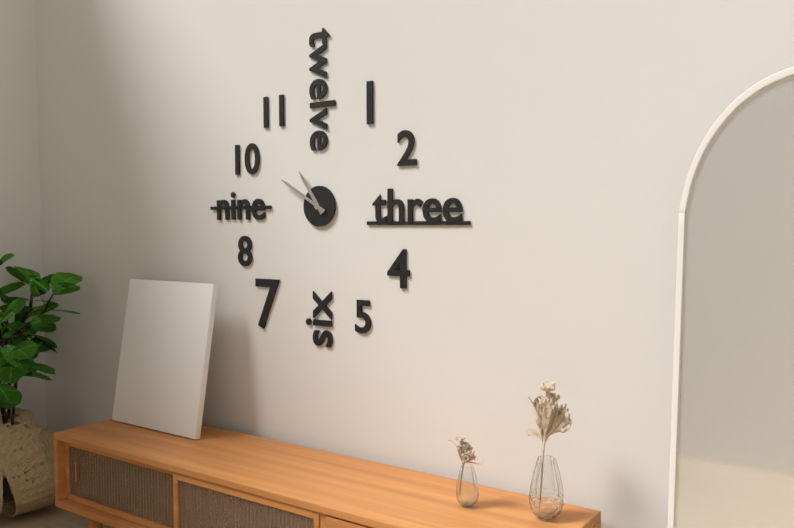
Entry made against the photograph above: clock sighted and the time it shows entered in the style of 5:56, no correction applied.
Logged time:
10:50
